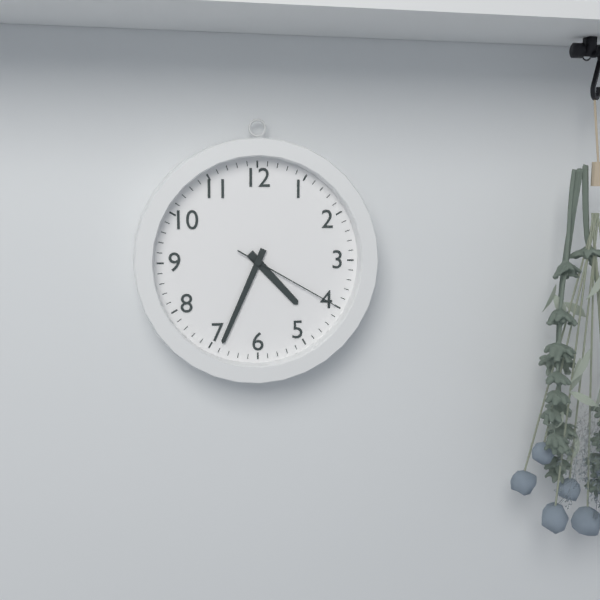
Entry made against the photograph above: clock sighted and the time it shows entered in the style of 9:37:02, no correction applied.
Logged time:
4:34:20
